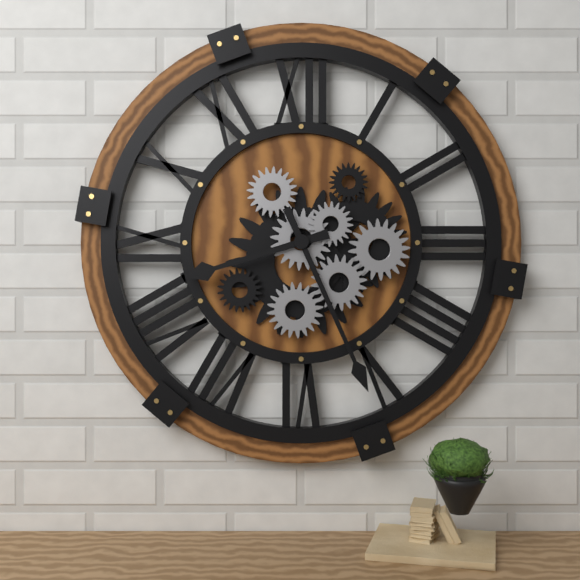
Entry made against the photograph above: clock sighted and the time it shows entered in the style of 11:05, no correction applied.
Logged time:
8:26
